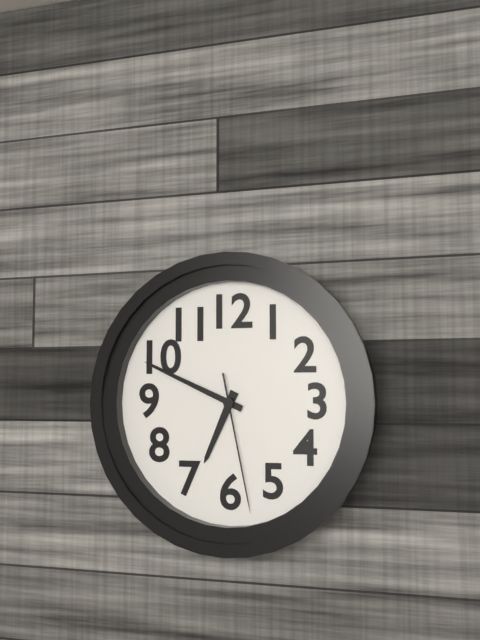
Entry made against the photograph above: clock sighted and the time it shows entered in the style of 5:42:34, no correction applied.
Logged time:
6:49:28
